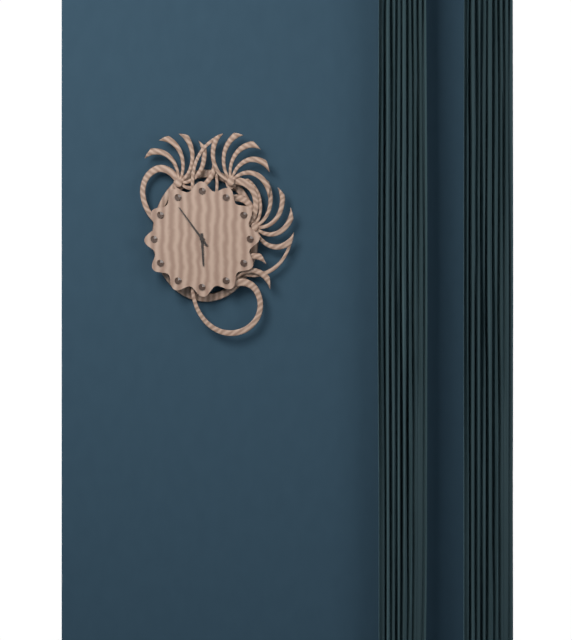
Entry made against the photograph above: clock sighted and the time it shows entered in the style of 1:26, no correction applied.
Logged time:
5:54
